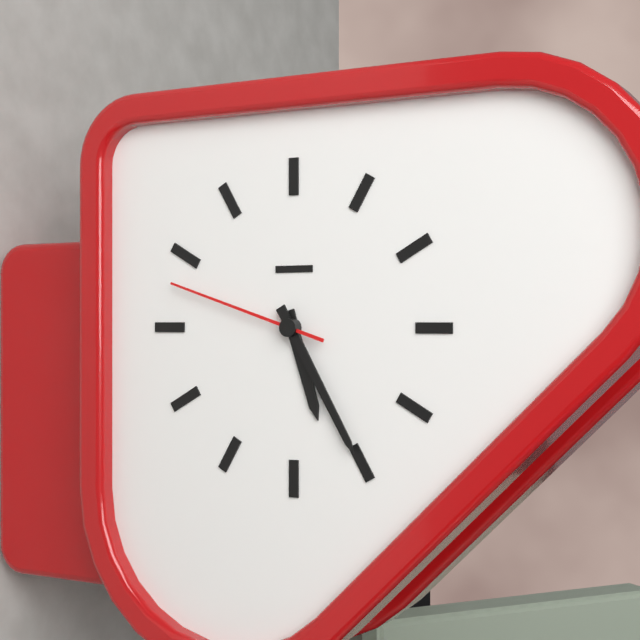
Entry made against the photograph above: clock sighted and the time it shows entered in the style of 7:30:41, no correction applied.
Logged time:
5:25:48
